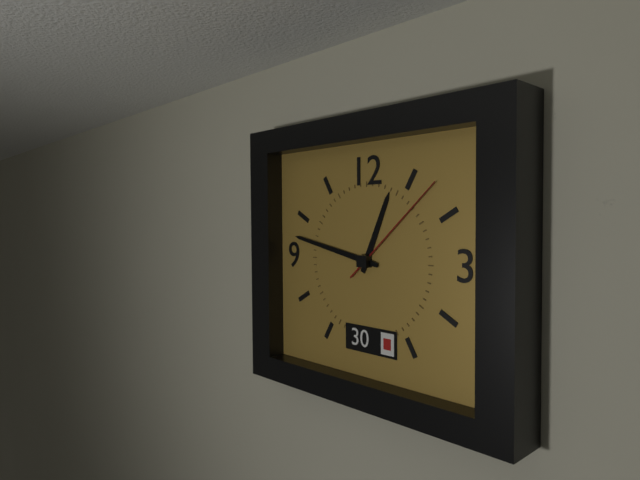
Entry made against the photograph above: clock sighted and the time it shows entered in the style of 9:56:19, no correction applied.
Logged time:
12:47:08
